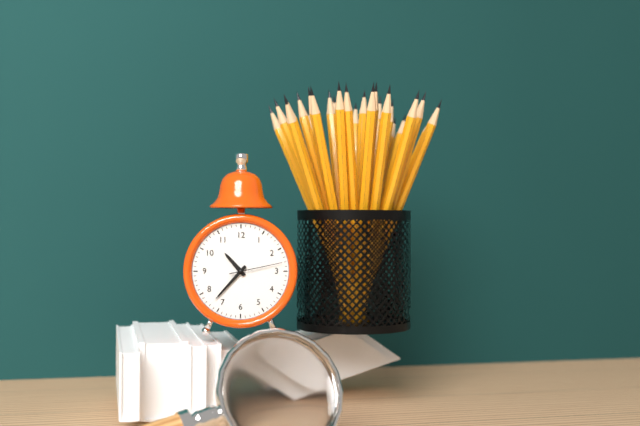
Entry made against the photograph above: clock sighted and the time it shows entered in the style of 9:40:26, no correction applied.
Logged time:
10:37:13
